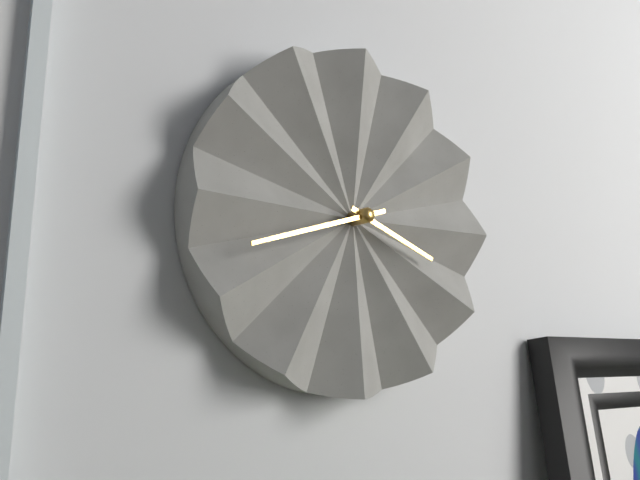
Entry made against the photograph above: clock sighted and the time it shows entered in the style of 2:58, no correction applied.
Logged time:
3:42
